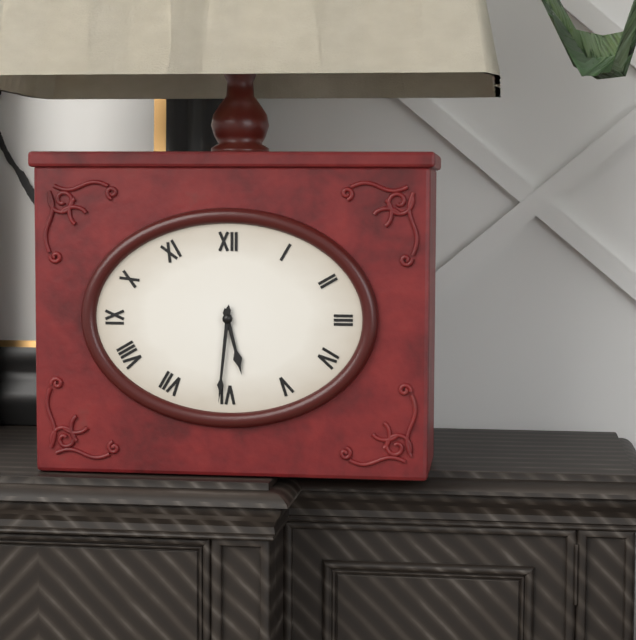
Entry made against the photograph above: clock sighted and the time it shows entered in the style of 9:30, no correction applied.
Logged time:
5:31
